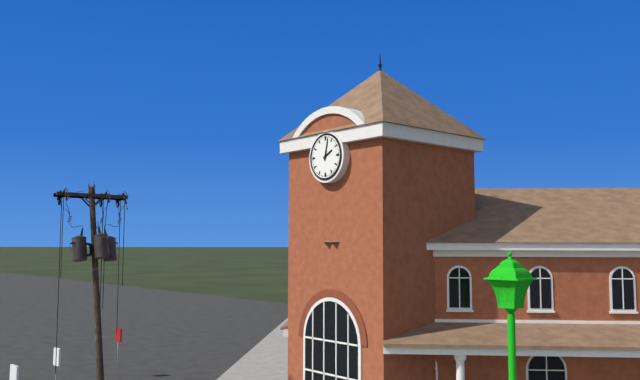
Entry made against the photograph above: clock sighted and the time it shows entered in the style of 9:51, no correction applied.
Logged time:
2:02
